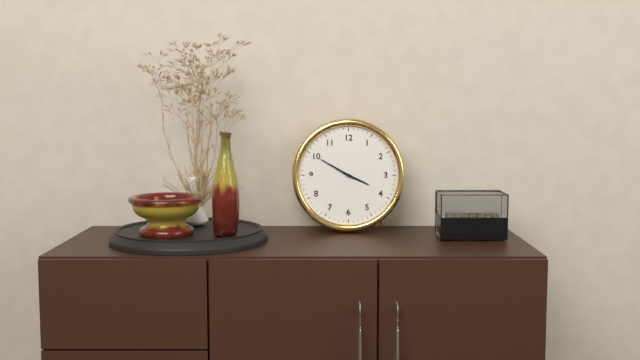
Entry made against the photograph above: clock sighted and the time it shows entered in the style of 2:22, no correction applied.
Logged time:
3:50
